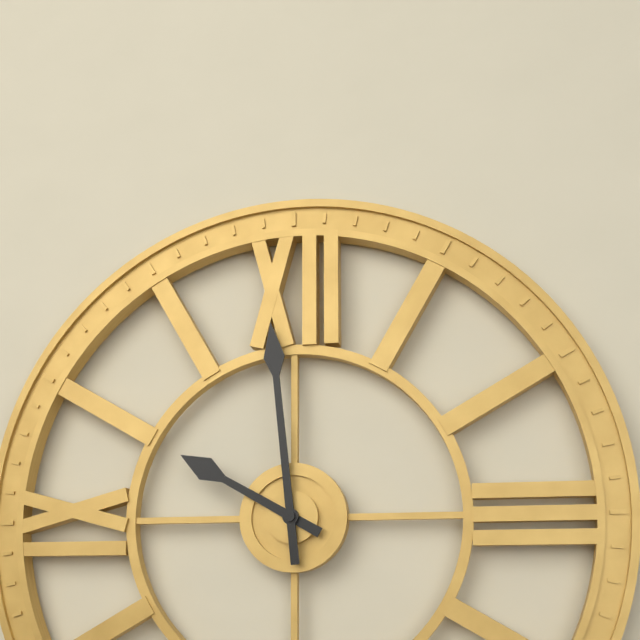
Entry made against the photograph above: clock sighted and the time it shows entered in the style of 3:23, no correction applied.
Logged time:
9:59
